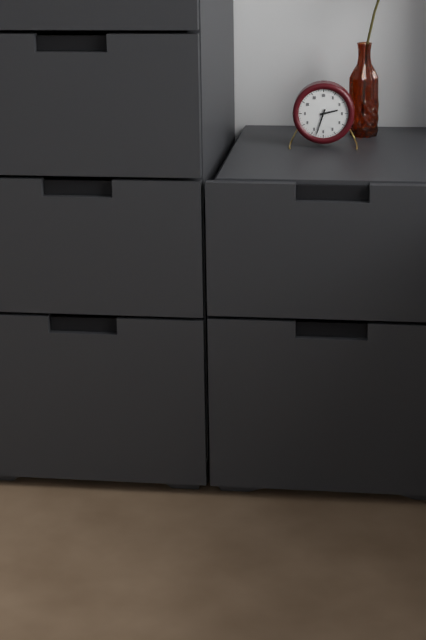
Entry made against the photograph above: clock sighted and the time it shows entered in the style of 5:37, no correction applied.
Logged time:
2:33
